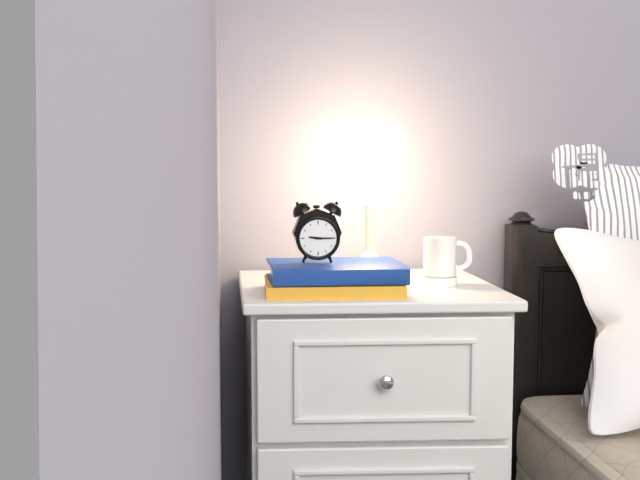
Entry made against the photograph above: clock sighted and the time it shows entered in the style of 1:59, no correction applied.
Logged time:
9:15
